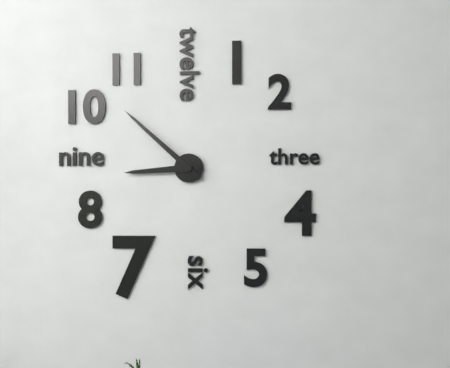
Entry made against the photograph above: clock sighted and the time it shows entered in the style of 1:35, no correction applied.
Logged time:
8:52
